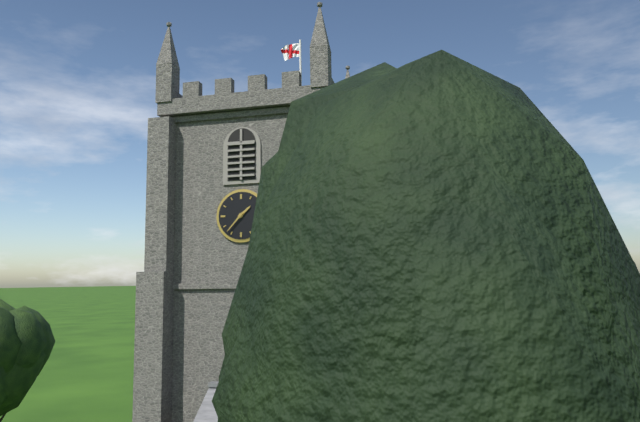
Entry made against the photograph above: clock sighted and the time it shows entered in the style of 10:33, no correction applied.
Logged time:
1:37
